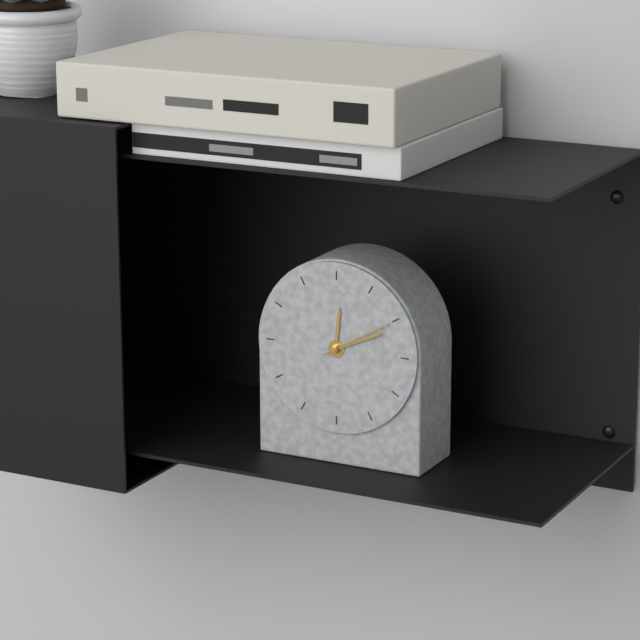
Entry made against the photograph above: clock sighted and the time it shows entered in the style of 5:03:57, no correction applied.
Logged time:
12:11:10
